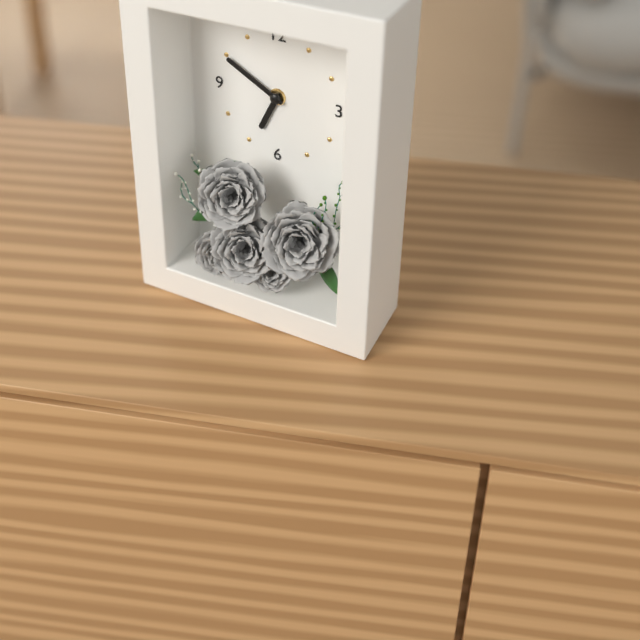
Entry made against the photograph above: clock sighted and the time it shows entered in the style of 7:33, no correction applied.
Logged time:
6:50
